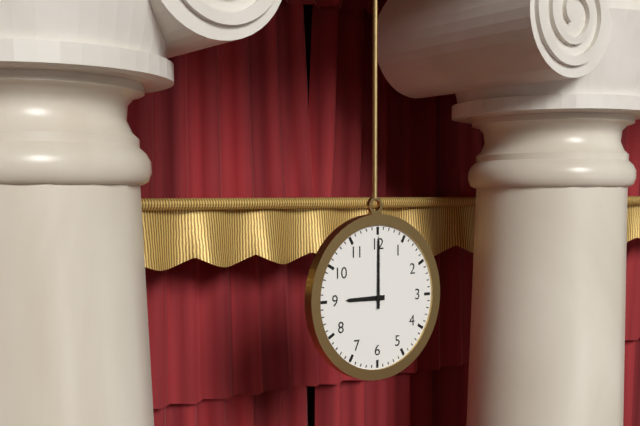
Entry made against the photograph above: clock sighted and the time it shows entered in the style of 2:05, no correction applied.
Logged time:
9:00
